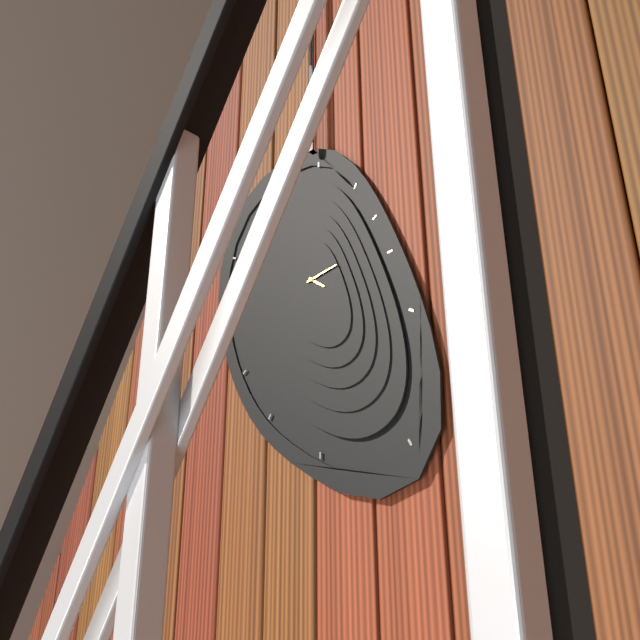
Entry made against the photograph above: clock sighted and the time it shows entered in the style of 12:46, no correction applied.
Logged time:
4:14
